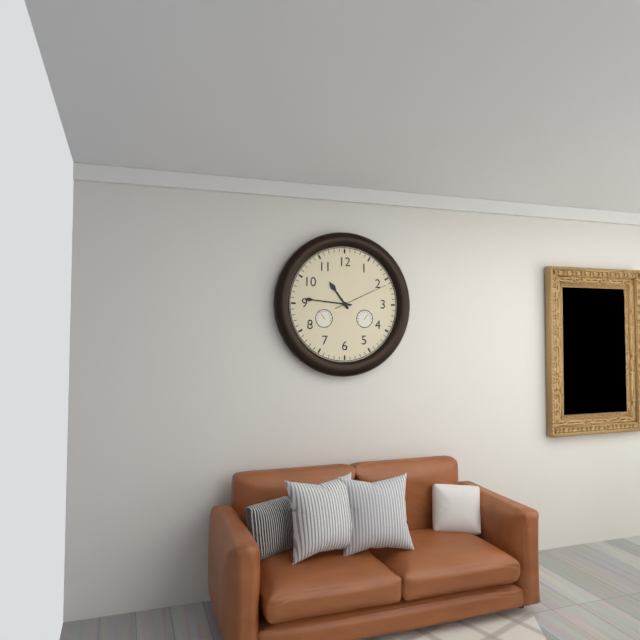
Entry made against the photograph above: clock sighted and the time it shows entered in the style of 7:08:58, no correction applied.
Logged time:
10:46:11
